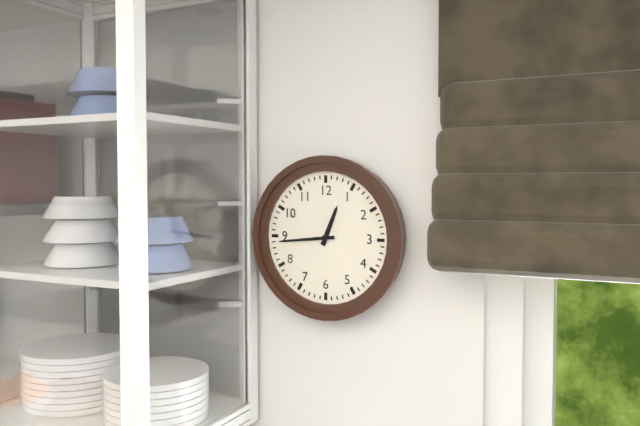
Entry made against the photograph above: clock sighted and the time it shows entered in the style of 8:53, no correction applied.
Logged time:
12:44
